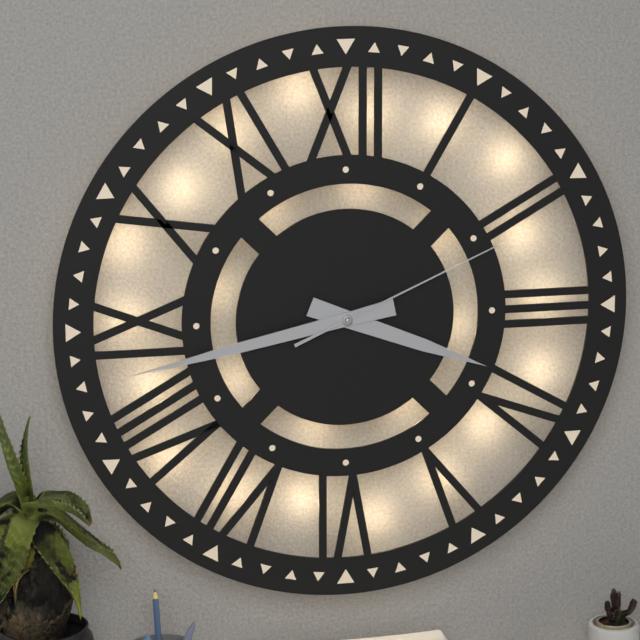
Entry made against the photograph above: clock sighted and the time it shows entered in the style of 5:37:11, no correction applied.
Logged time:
3:43:11
